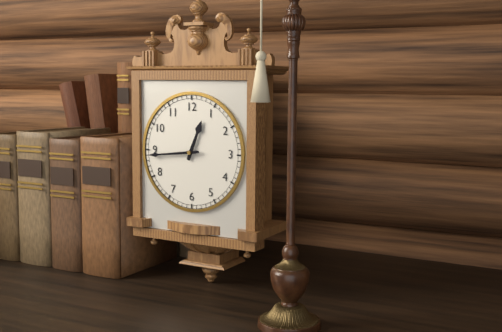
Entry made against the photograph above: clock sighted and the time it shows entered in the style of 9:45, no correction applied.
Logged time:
12:44
